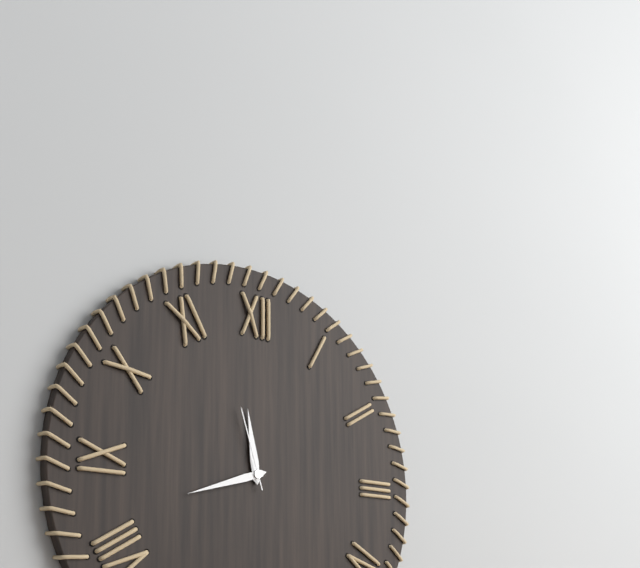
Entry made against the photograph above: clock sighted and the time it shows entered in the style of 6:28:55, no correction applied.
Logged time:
11:42:57
